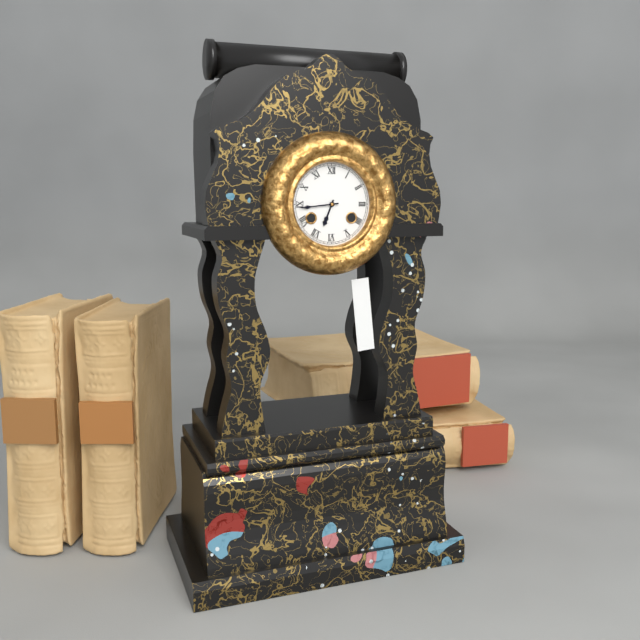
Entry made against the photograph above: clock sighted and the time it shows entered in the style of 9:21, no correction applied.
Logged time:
6:44
